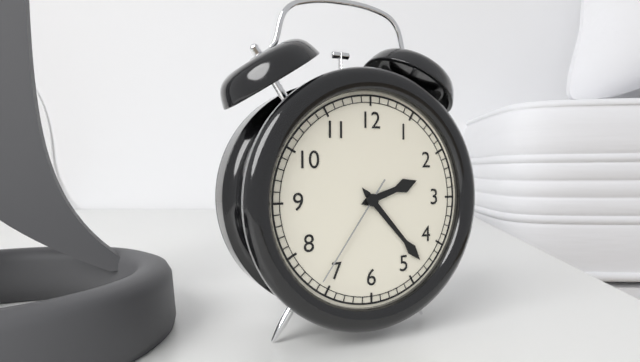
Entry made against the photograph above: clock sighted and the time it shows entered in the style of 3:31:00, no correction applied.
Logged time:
2:23:36
